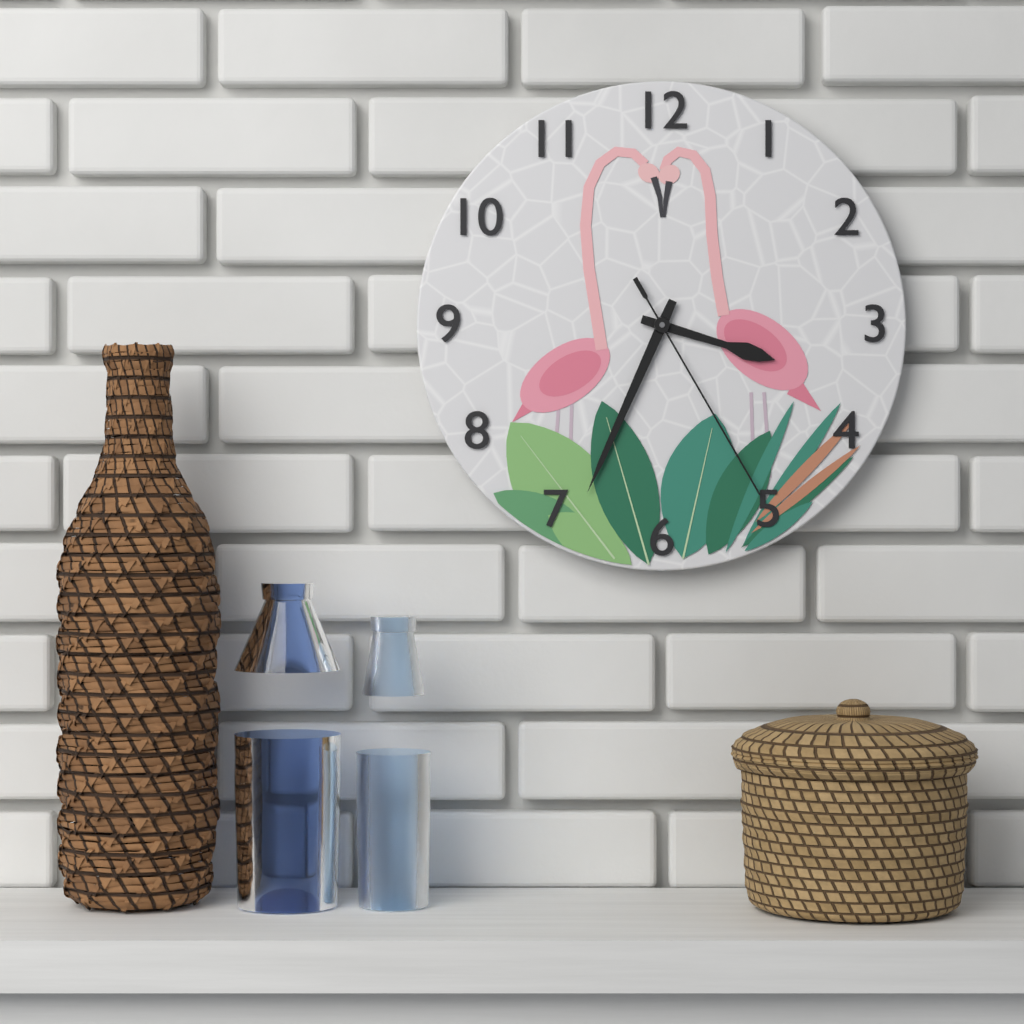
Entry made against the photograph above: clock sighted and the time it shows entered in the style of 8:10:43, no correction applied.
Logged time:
3:34:25
